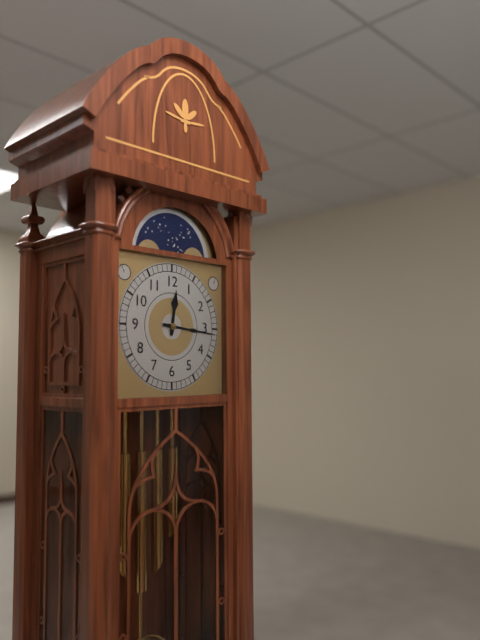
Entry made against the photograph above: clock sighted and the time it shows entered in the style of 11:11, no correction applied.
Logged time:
12:16
